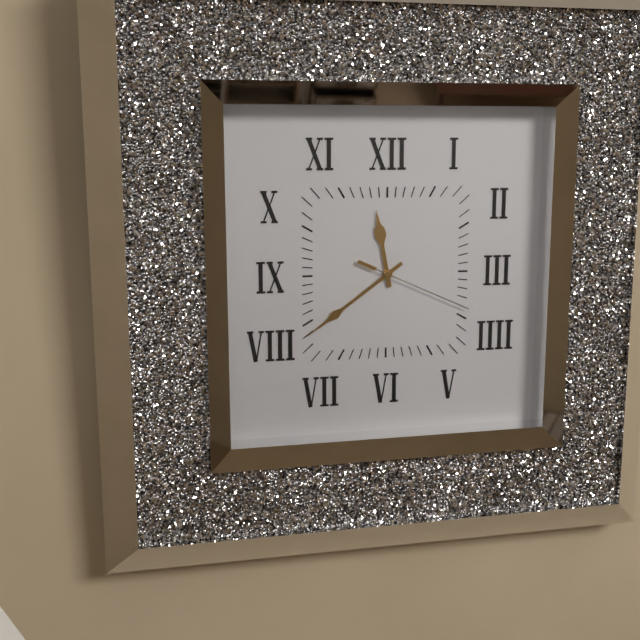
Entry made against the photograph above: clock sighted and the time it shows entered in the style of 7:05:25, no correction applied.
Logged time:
11:39:19
